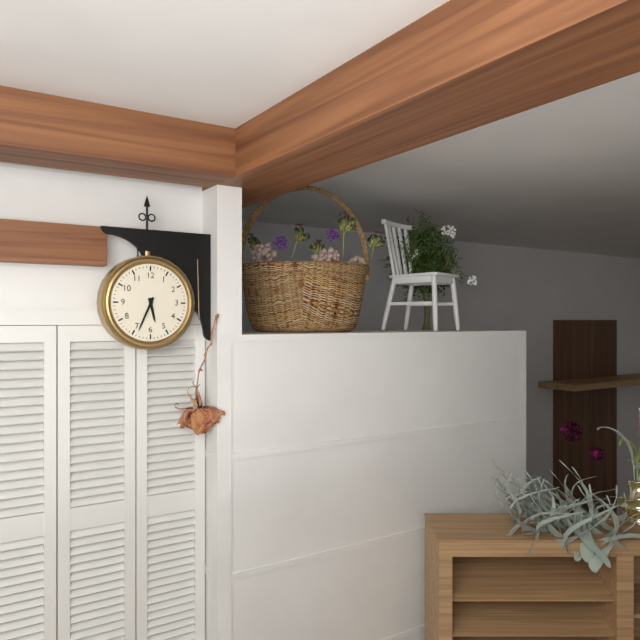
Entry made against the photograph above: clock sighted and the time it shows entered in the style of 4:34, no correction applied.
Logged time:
5:34
